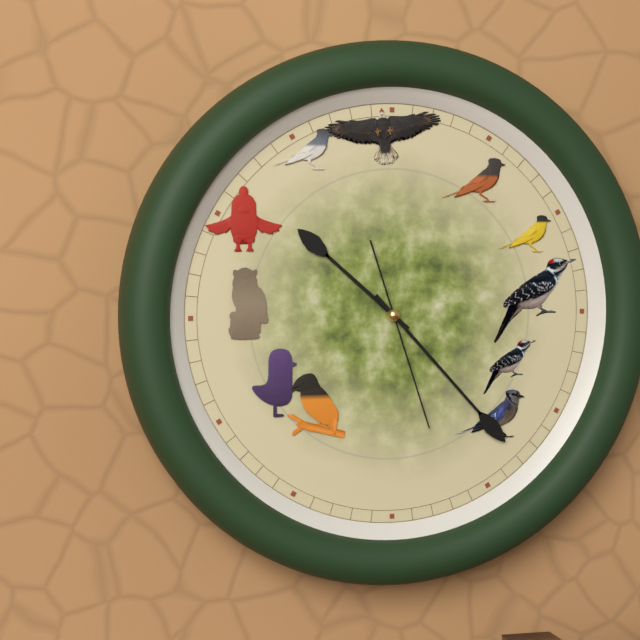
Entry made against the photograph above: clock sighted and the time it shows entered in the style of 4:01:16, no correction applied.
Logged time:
10:23:27
